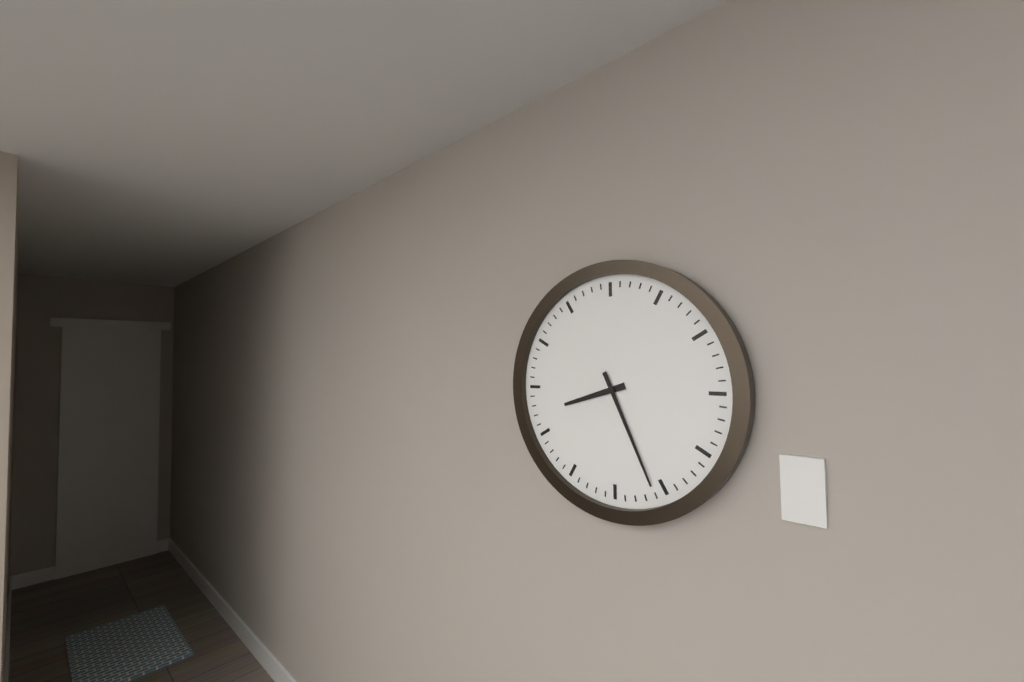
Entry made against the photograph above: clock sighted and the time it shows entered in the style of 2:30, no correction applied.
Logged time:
8:26
